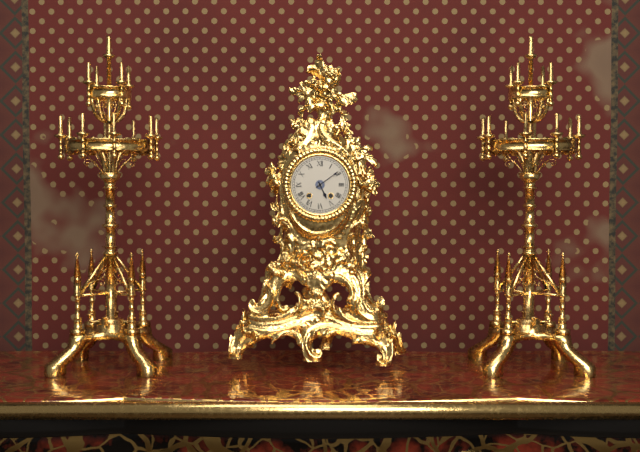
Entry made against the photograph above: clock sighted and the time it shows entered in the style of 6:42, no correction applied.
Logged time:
5:09
